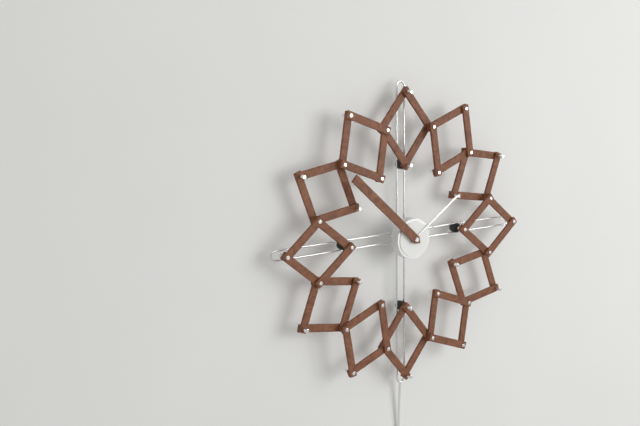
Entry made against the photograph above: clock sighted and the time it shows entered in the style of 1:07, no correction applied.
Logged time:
1:52
